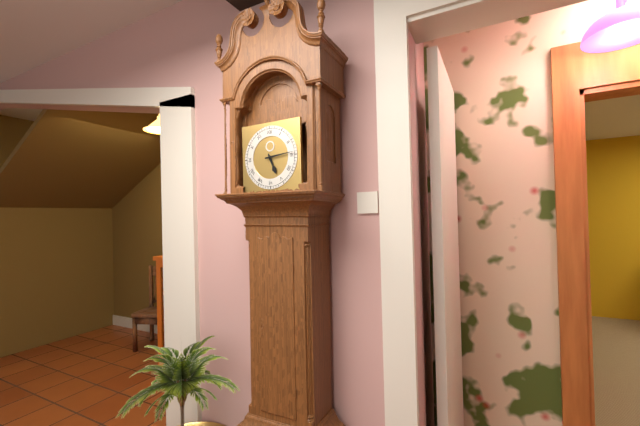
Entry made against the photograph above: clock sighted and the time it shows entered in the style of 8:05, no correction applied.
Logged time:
5:14
